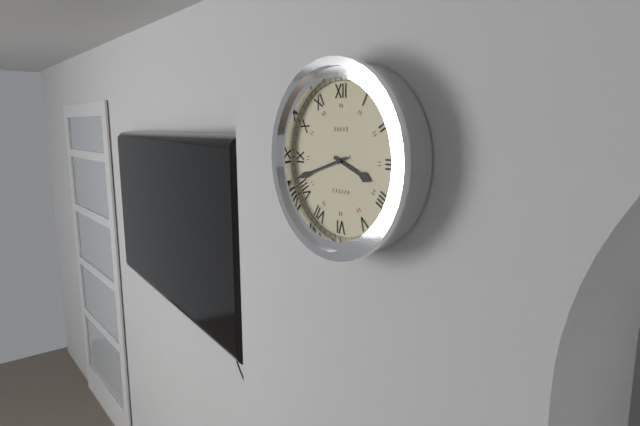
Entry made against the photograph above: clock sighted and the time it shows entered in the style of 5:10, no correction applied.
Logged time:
3:42
